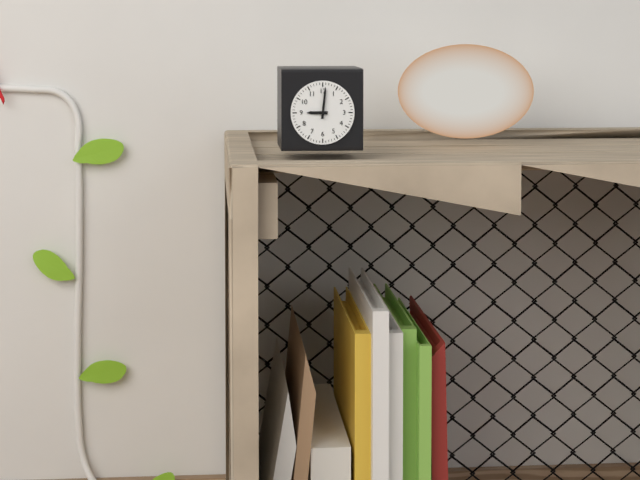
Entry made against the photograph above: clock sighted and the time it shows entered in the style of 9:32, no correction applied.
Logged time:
9:01
